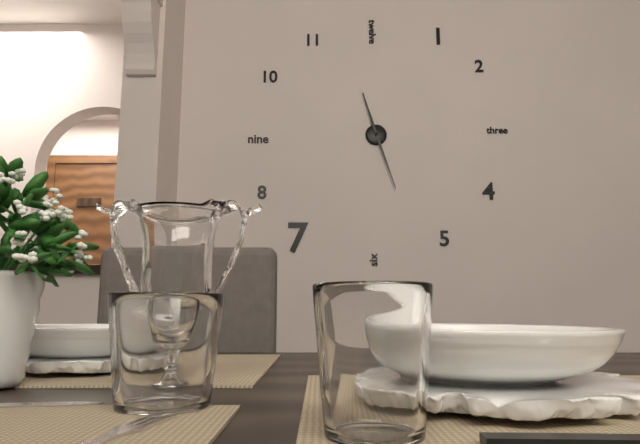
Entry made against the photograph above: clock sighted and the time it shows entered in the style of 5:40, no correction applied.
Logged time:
11:27
